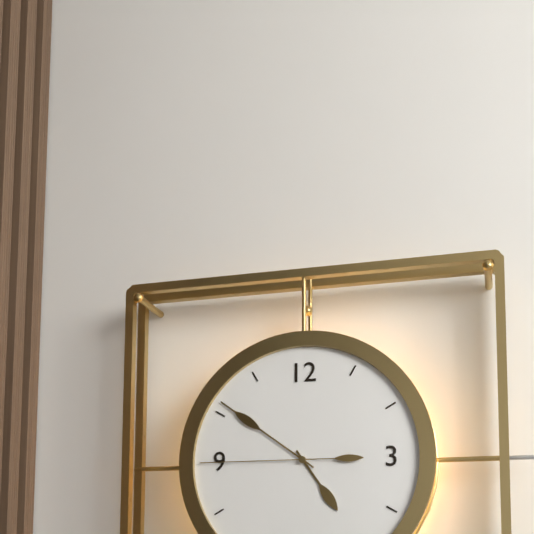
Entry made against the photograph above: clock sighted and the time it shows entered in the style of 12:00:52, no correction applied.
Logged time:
4:51:45
